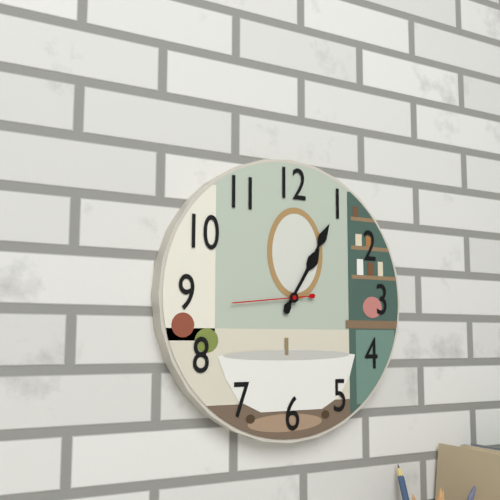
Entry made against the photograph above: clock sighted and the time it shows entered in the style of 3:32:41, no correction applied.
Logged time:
1:05:44
